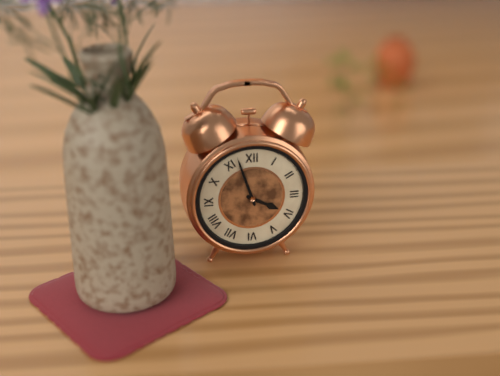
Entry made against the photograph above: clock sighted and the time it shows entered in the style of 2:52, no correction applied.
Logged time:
3:57
